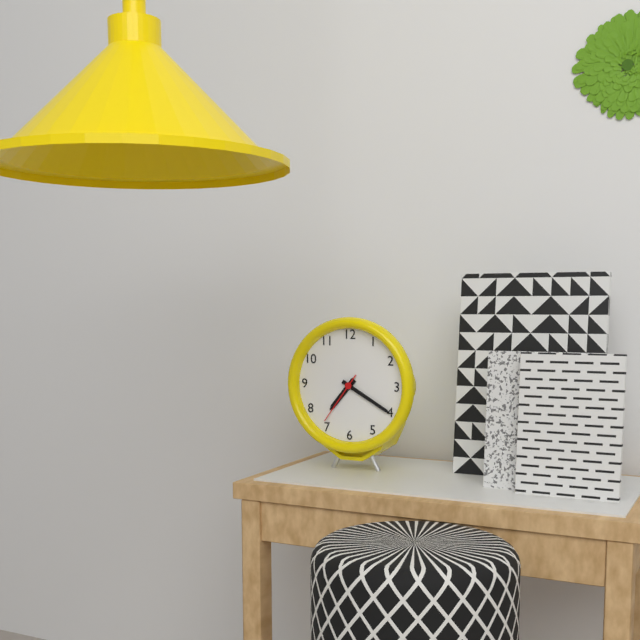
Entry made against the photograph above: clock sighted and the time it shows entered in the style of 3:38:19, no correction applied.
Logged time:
7:20:36
